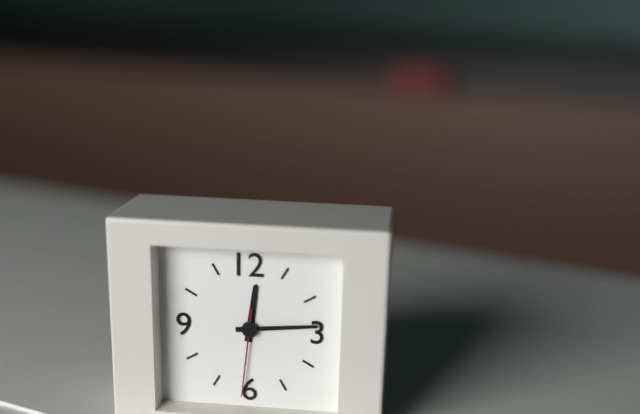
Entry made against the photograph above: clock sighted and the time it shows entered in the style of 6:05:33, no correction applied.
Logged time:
12:14:31
